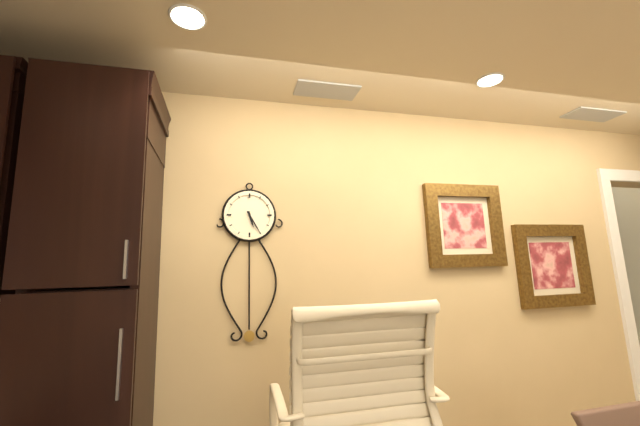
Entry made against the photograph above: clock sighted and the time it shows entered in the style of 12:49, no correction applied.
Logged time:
5:25
